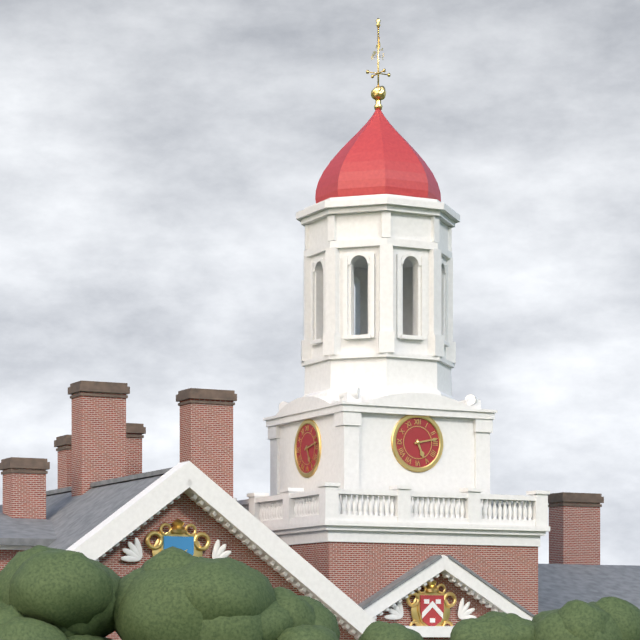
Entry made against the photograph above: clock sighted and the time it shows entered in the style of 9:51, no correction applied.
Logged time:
5:13
